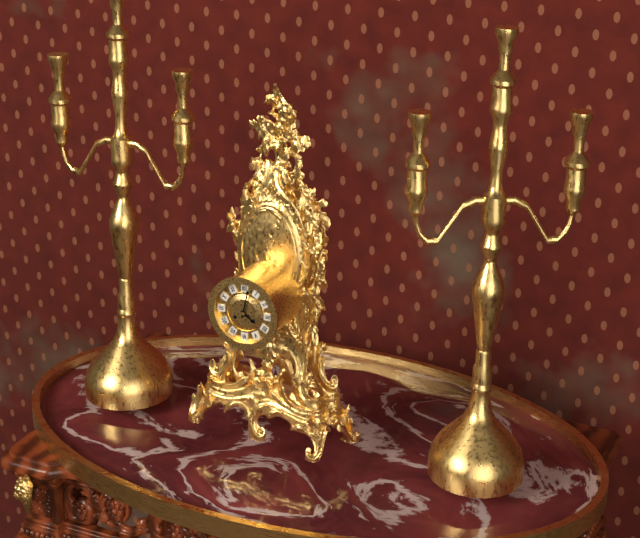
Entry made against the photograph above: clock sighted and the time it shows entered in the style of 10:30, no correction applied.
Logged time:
4:02
